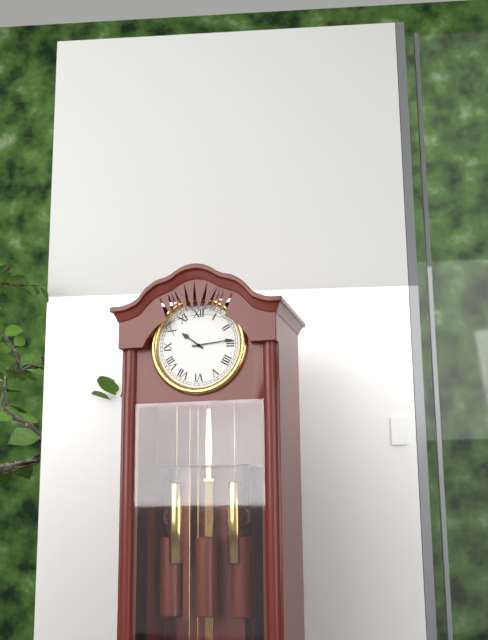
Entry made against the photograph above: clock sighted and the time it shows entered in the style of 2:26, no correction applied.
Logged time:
10:14
